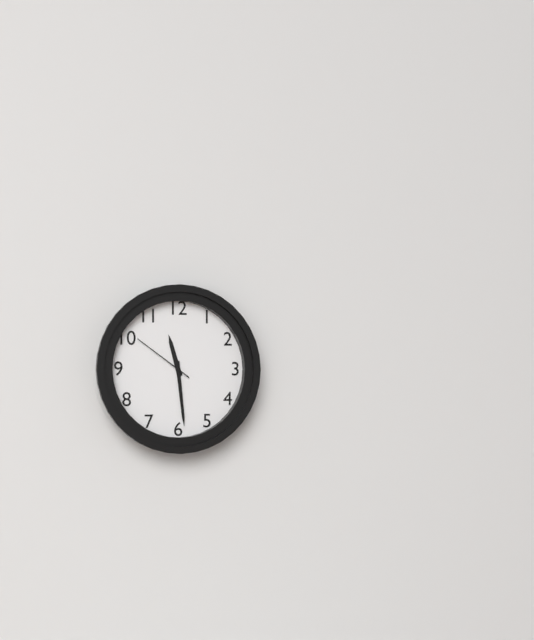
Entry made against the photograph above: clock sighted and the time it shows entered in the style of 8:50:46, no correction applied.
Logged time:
11:29:51
